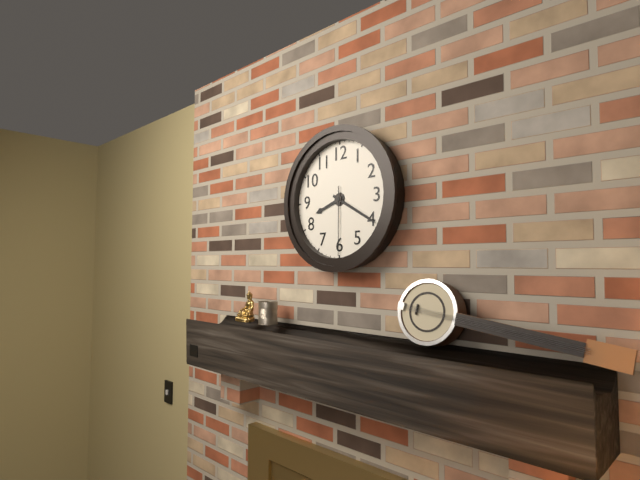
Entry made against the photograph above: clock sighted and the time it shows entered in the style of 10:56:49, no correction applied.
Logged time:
8:20:30
